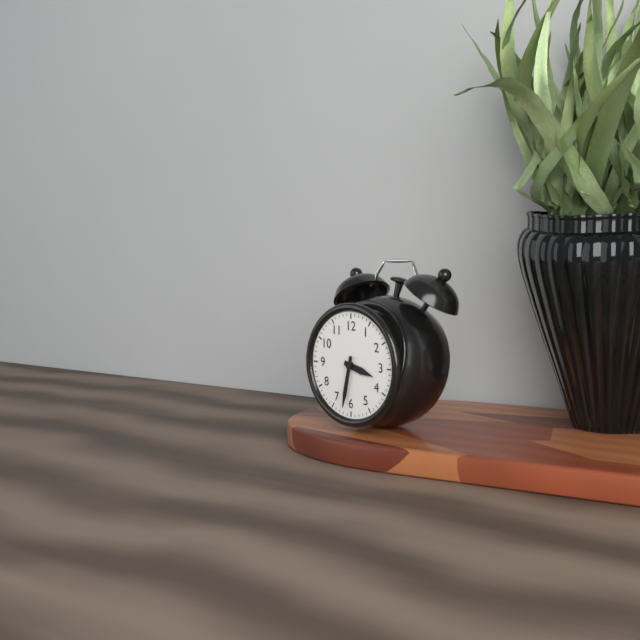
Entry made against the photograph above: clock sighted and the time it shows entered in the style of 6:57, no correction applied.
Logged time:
3:32
